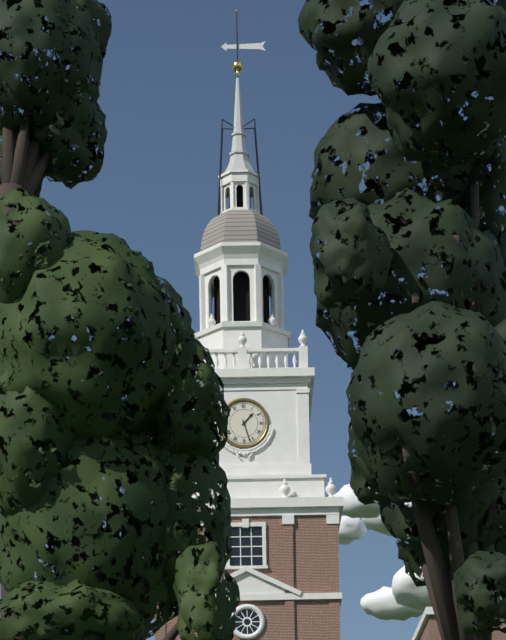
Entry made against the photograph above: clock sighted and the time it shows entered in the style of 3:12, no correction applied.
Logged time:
1:27
